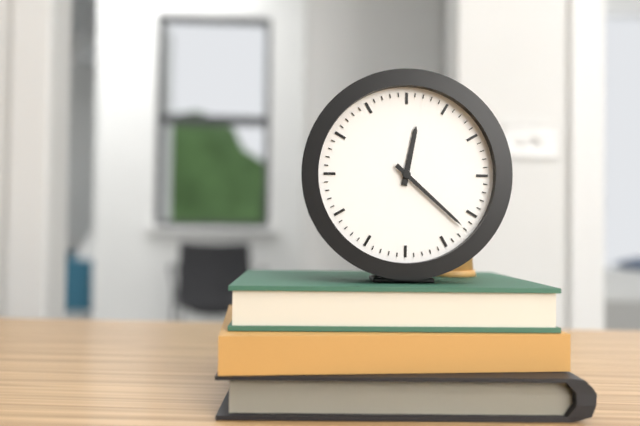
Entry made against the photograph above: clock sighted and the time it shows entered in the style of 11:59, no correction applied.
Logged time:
12:22
